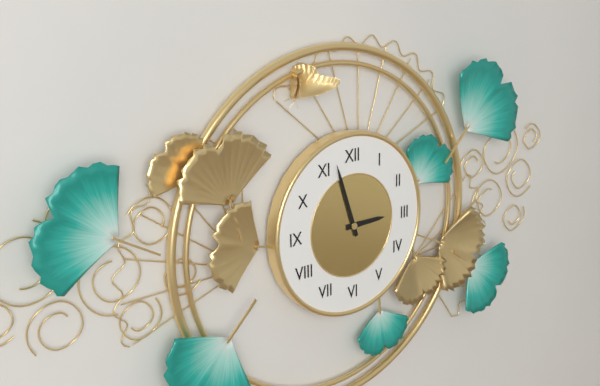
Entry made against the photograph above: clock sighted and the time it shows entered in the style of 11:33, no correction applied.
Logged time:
2:57
